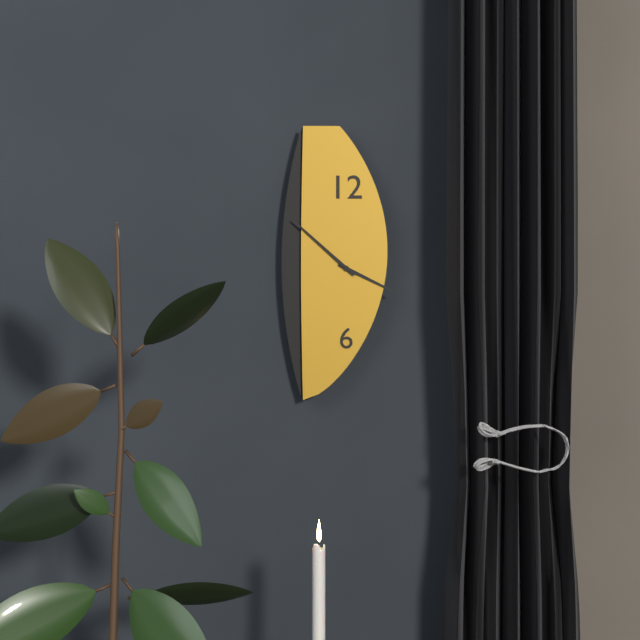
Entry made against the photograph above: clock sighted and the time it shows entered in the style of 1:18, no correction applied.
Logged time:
3:52
